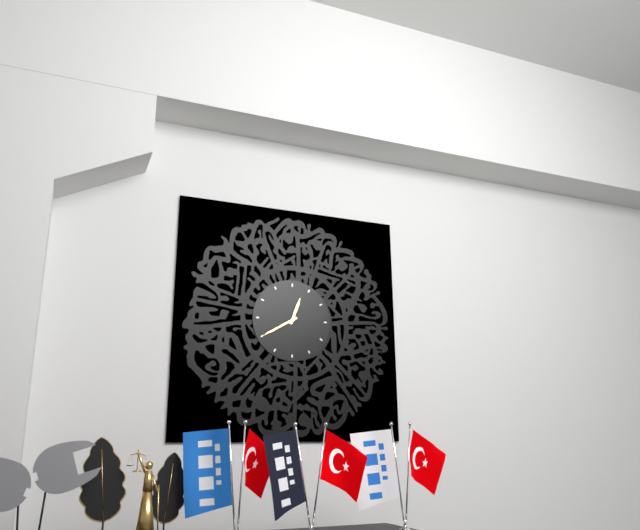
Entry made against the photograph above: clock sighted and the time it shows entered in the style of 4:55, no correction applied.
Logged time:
12:40
